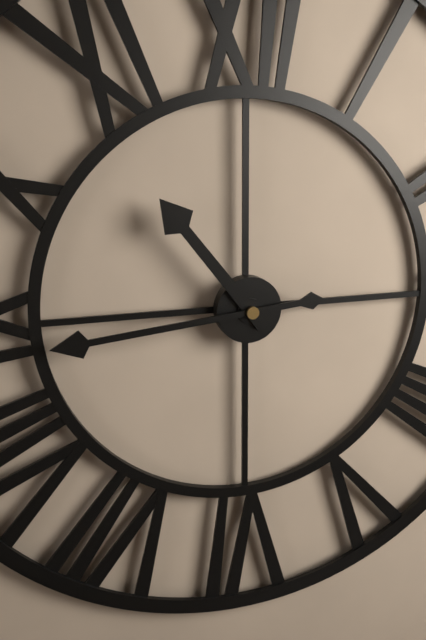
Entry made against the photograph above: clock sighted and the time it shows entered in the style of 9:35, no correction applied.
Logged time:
10:44
